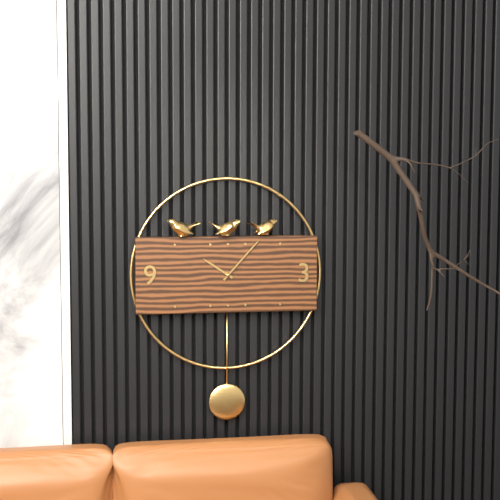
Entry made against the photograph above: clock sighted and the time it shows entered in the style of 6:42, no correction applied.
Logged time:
10:07
